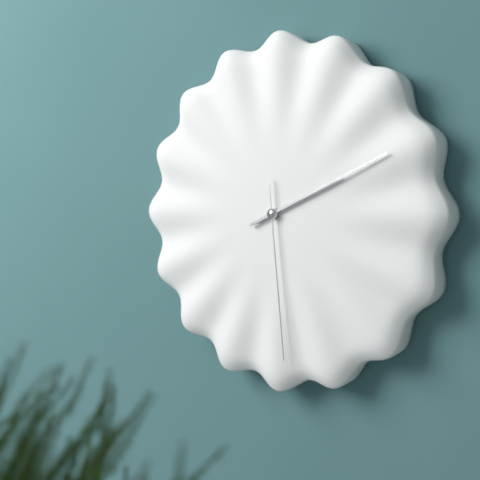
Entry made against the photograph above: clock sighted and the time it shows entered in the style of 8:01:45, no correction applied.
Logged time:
2:11:29
